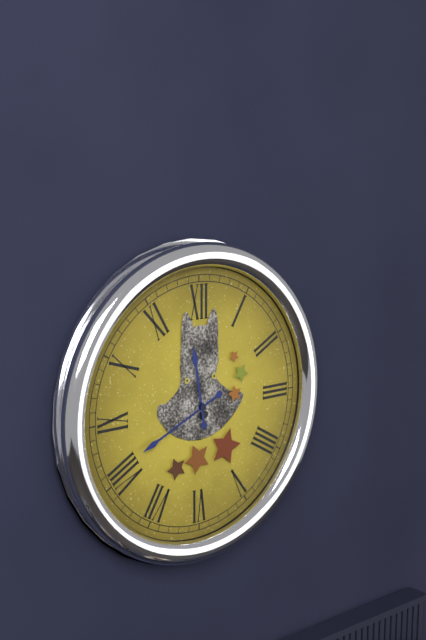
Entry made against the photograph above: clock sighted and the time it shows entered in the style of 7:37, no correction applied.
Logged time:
11:41
